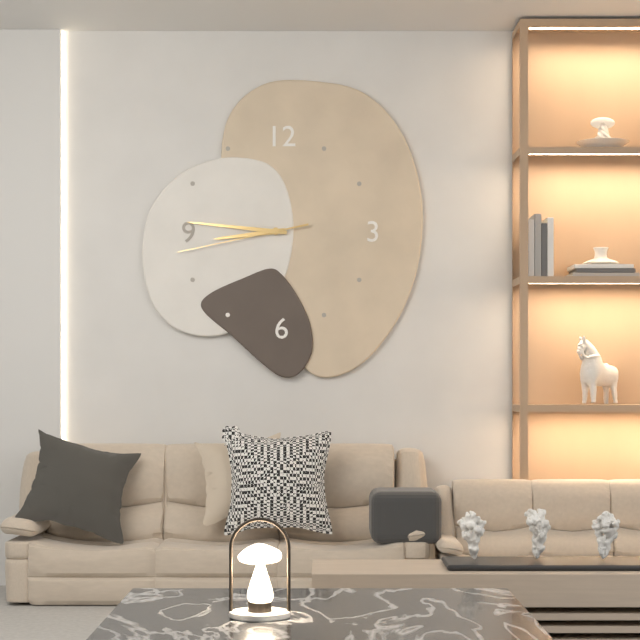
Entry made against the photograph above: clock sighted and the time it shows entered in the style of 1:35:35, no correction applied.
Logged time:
8:46:43
